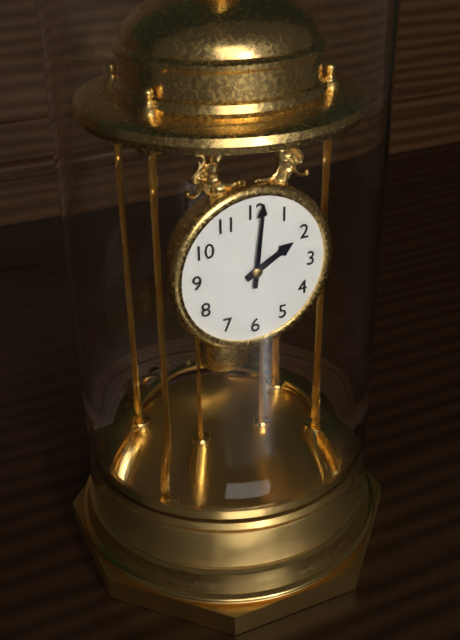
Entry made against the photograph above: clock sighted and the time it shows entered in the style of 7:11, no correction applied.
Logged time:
2:01
